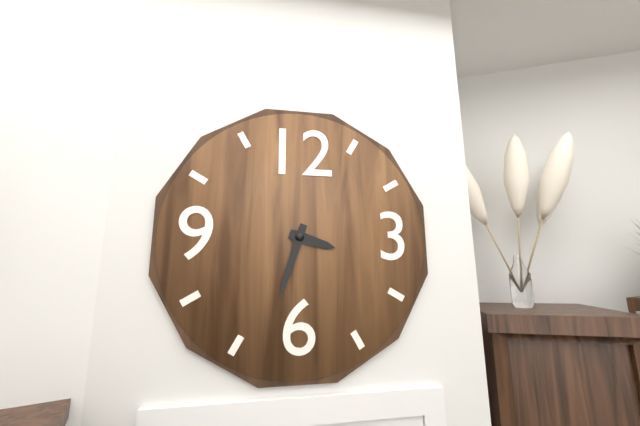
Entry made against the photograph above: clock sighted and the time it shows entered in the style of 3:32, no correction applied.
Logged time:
3:33
